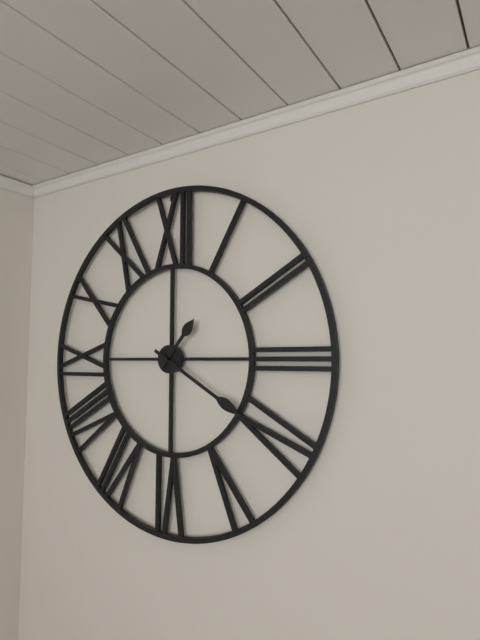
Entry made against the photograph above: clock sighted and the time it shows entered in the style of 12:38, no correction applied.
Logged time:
1:20
